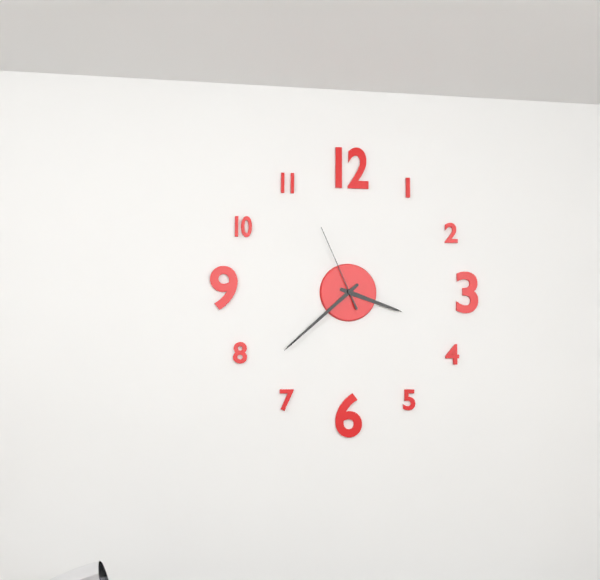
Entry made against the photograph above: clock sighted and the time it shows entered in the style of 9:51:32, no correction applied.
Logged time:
3:38:56
